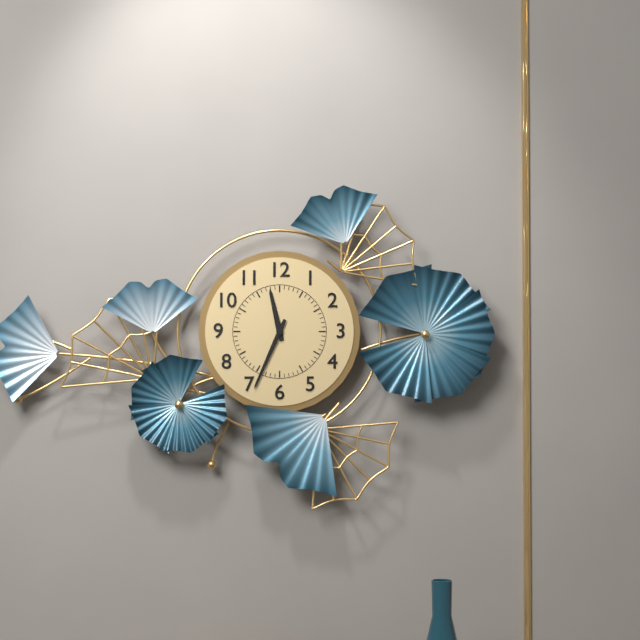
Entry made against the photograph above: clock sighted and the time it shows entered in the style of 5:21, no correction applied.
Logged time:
11:34
